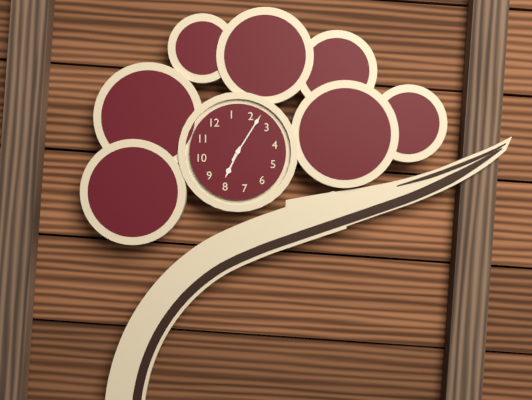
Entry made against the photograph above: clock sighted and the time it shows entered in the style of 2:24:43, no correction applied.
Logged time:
8:12:12
